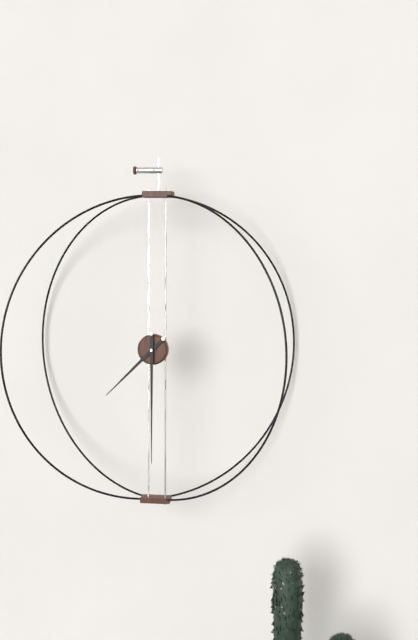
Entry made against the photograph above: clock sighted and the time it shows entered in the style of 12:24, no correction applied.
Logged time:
7:30
